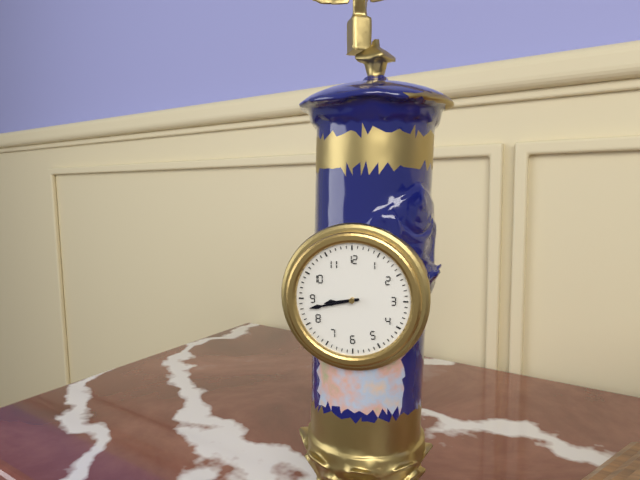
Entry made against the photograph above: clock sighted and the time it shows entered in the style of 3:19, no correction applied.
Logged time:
8:43
